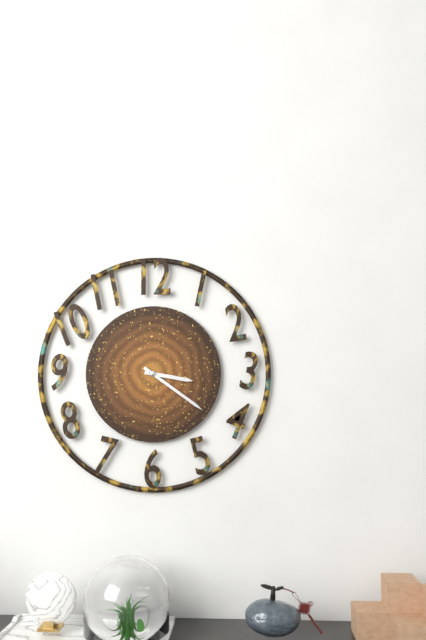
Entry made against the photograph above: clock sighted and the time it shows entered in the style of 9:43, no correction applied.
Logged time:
3:21
